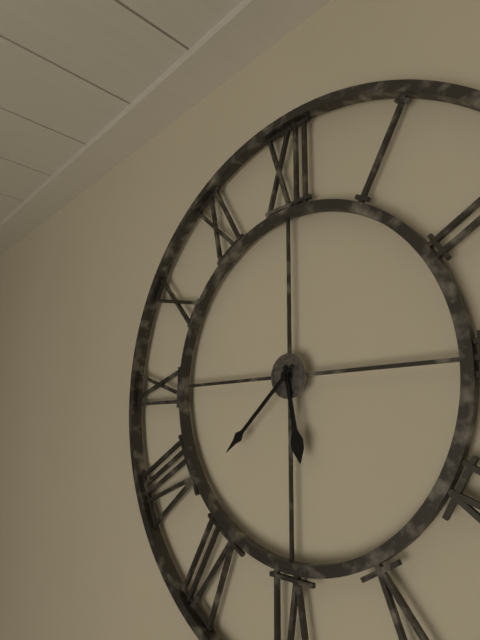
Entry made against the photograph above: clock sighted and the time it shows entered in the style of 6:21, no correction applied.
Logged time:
5:38
